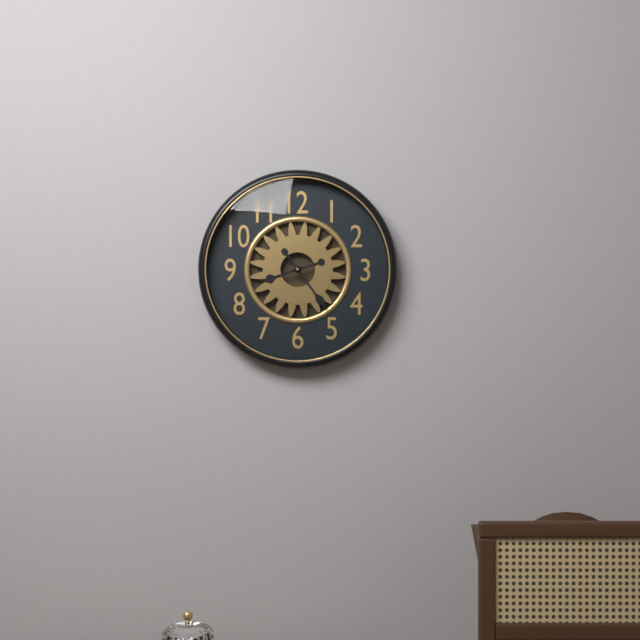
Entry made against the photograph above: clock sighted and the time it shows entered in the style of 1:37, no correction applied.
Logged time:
8:24
